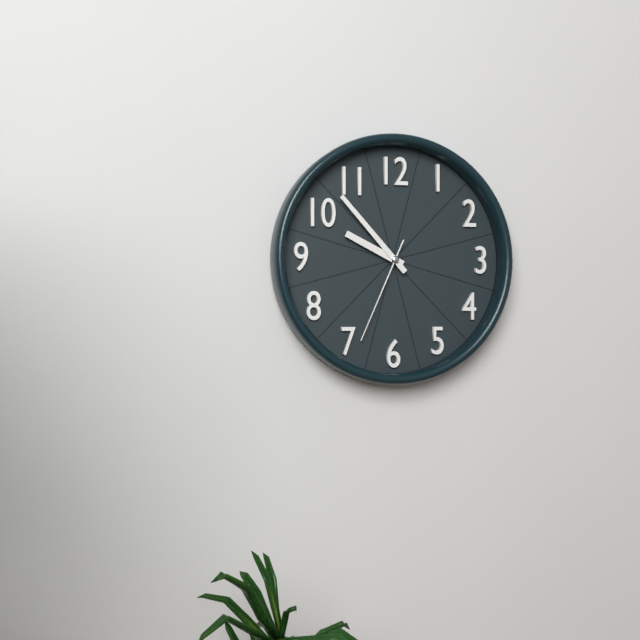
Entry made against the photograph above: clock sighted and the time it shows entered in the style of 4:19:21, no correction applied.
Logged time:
9:53:34
